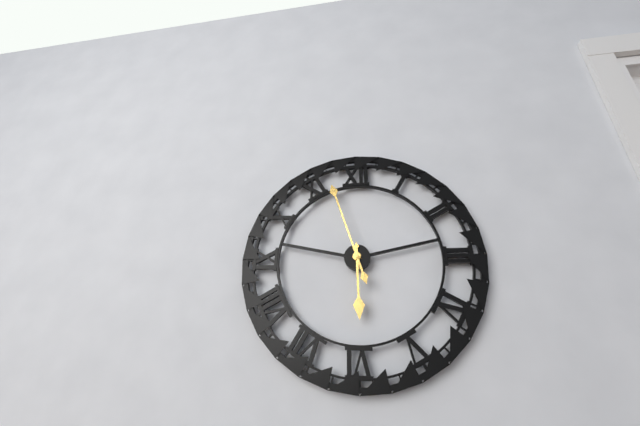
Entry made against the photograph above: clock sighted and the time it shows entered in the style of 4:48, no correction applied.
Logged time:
5:57
